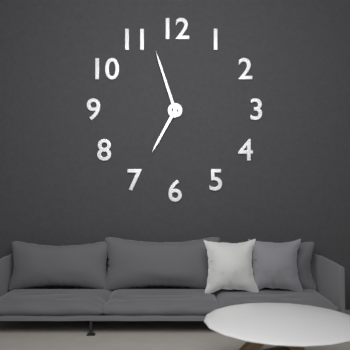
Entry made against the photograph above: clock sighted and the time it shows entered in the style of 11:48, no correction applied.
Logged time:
6:57
